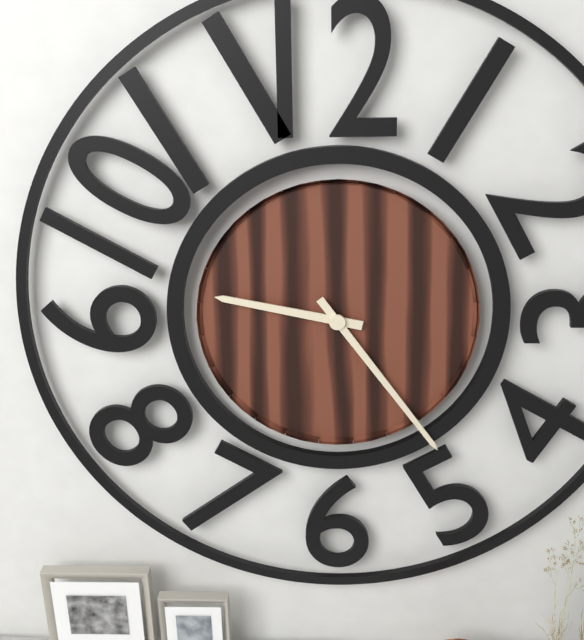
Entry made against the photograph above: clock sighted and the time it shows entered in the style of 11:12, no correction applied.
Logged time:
9:24
